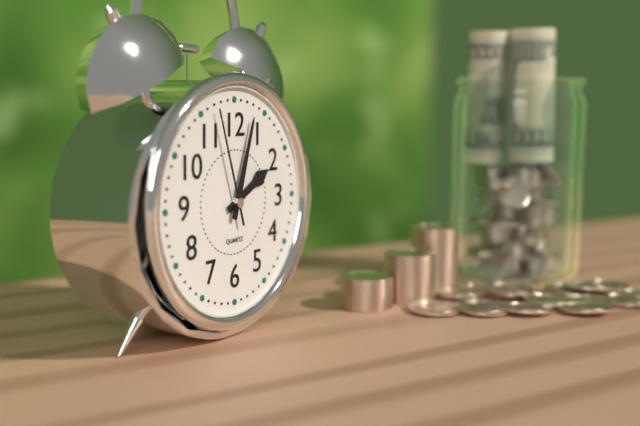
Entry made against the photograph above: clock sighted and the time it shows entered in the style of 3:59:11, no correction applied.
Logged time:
2:03:57
